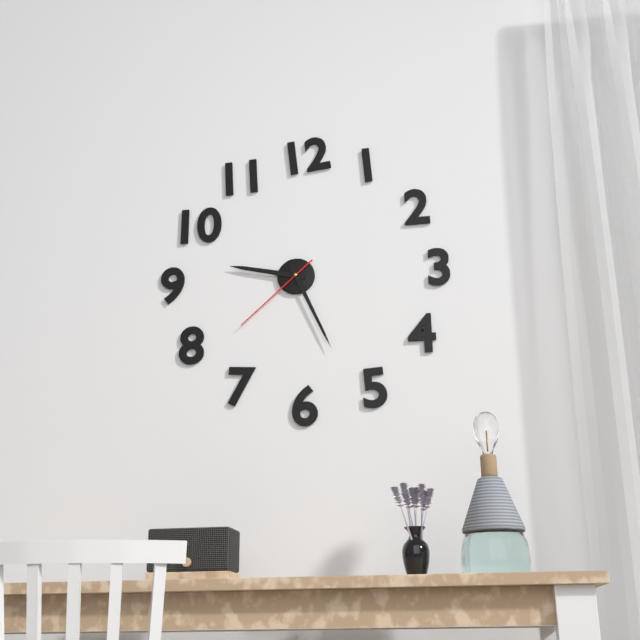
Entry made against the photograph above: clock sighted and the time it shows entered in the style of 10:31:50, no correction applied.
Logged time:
9:26:38
